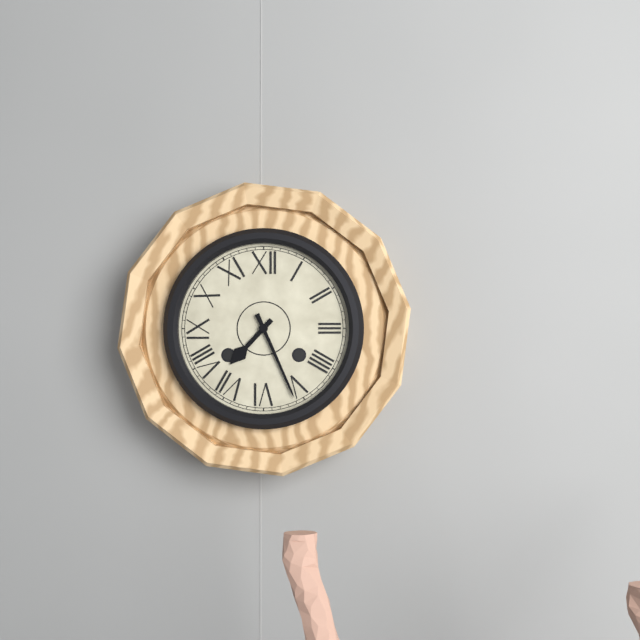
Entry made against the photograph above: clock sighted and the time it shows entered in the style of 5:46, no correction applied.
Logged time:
7:26
